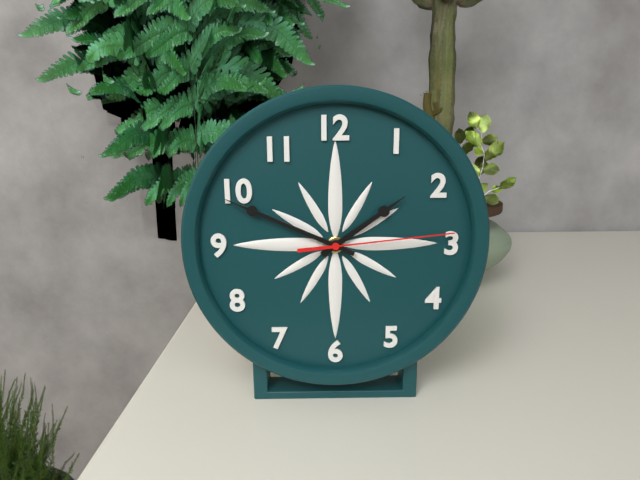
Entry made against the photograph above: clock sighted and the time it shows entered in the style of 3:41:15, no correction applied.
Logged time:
1:49:14
